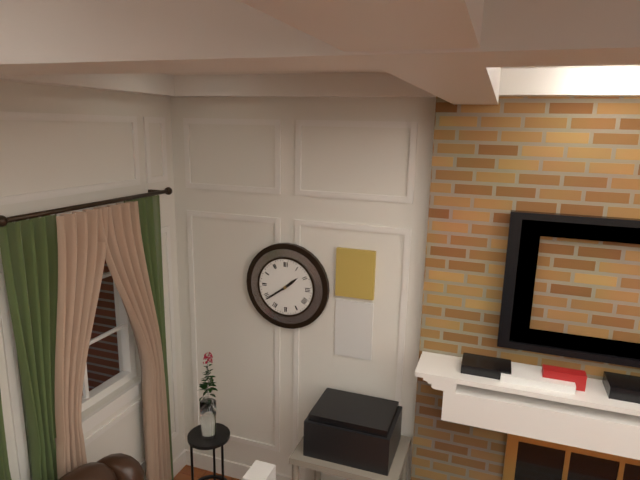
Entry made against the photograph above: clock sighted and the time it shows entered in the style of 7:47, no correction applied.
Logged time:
1:39
